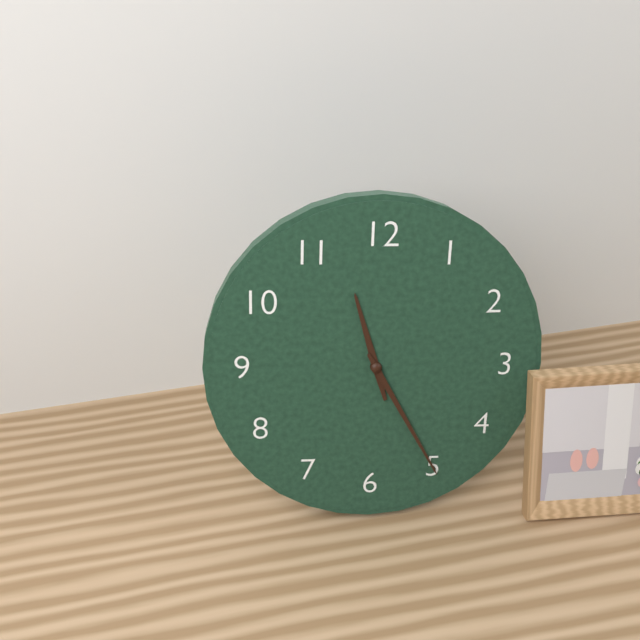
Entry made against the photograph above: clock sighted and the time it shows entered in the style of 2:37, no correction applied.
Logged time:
11:25
